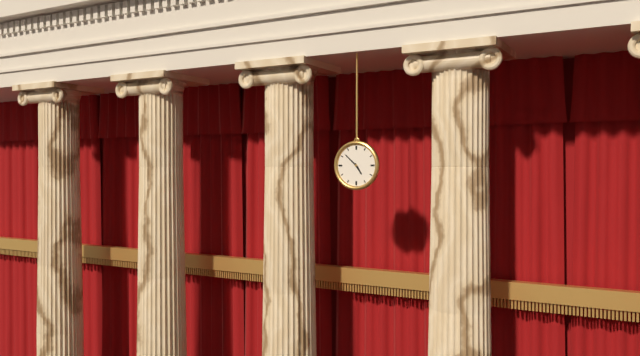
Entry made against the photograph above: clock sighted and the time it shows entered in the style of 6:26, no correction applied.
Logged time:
4:52
